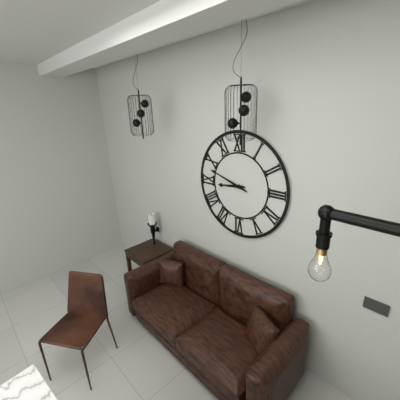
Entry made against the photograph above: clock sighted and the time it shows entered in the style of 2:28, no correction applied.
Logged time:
8:48
